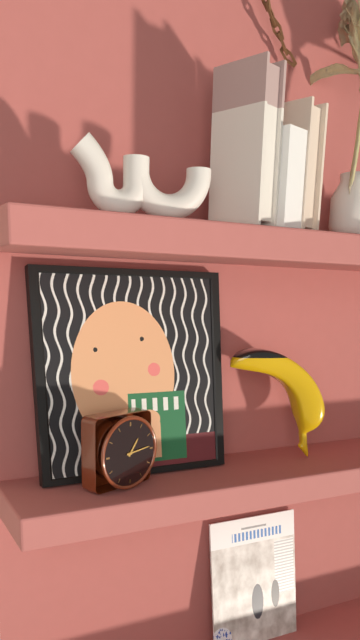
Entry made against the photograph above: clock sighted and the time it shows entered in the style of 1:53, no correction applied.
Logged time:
1:14
